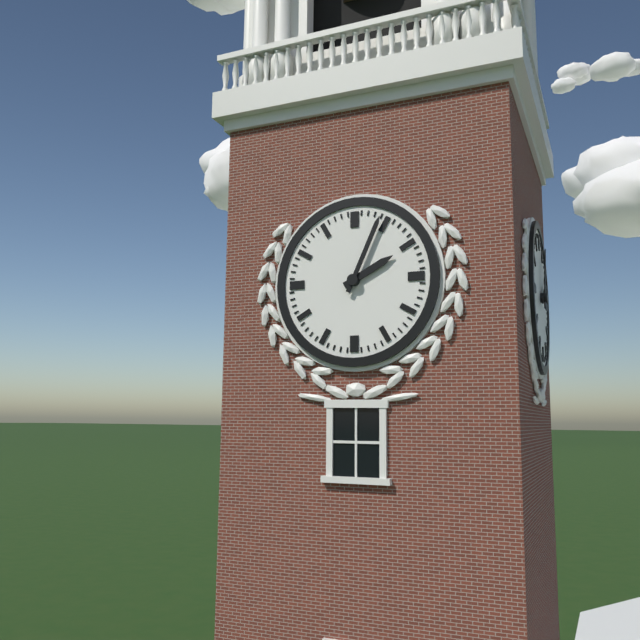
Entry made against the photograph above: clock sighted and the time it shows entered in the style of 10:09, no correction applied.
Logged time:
2:04
